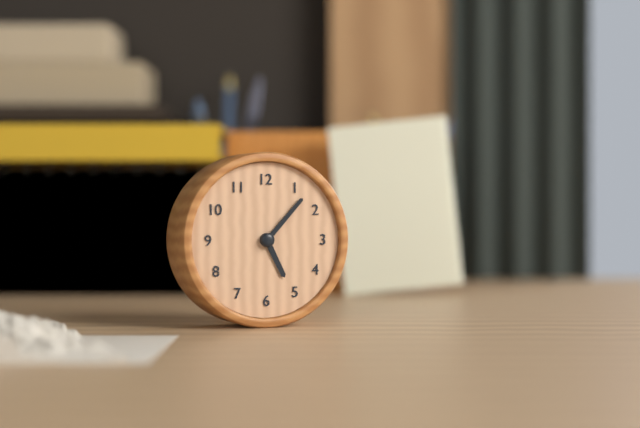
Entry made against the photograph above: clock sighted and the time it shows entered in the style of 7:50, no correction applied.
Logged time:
5:07
